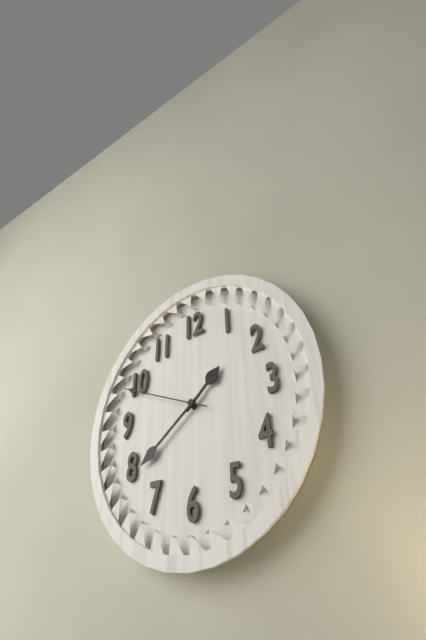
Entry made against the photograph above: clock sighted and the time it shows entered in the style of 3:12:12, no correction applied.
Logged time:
1:39:49
